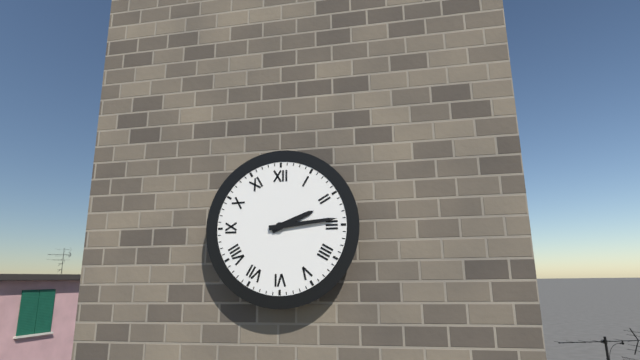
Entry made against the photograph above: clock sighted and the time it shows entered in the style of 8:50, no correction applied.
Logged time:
2:14
